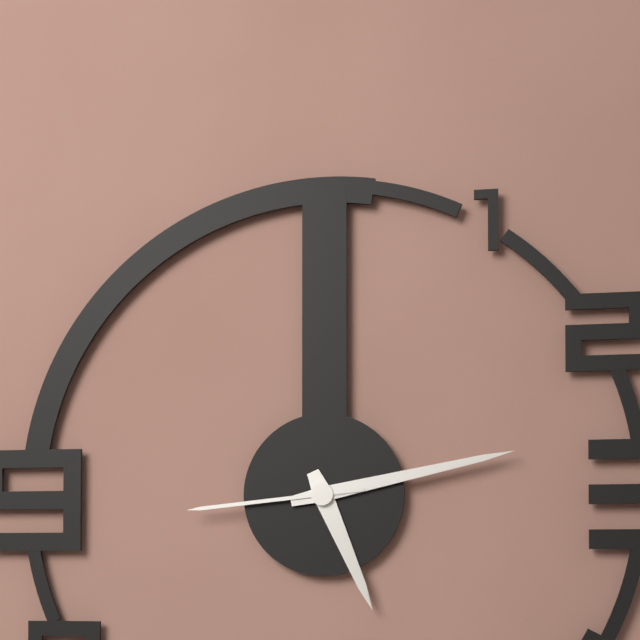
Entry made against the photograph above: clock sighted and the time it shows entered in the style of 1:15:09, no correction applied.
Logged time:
5:13:44
